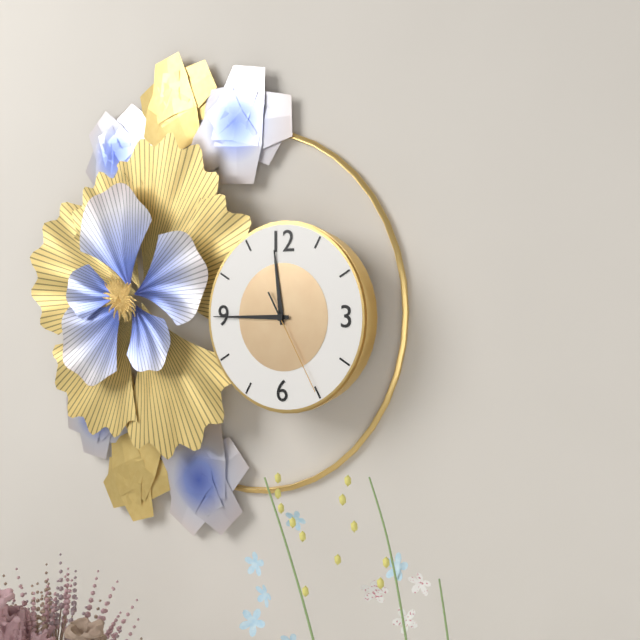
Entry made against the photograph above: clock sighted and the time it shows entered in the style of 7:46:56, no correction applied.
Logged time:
11:45:25
